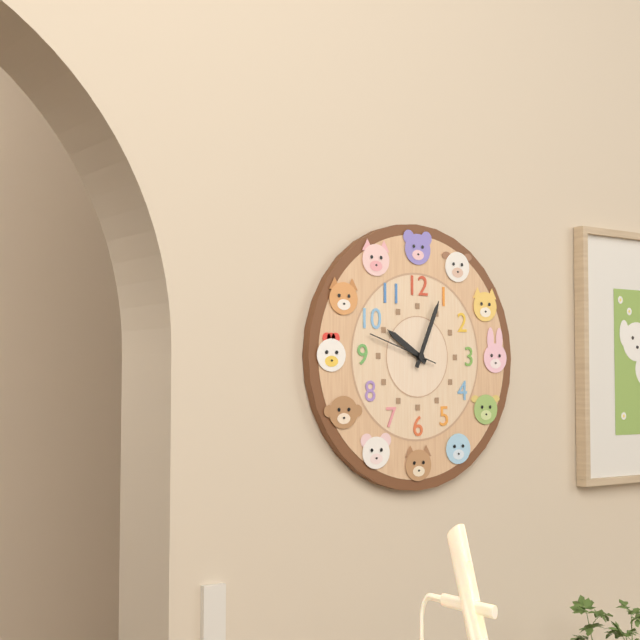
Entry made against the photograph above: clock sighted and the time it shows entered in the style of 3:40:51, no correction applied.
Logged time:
10:04:48
